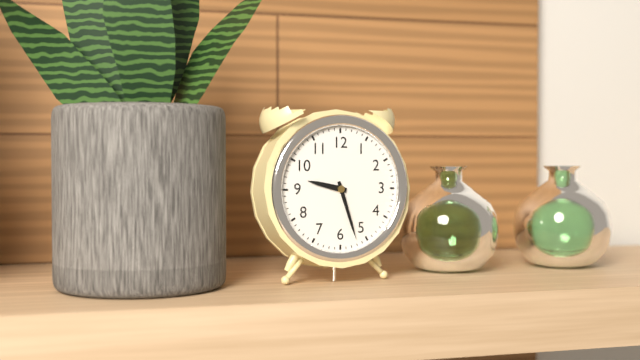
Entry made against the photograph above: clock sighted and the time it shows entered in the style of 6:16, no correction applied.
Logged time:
9:27
